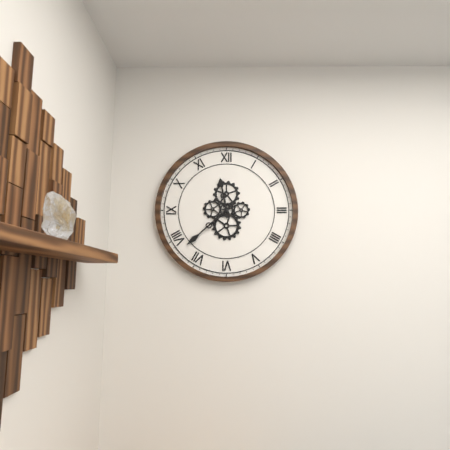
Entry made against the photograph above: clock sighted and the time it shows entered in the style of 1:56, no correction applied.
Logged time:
11:38
